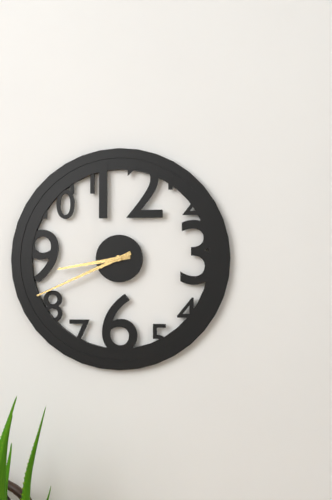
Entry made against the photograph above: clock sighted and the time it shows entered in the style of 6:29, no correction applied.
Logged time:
8:41
